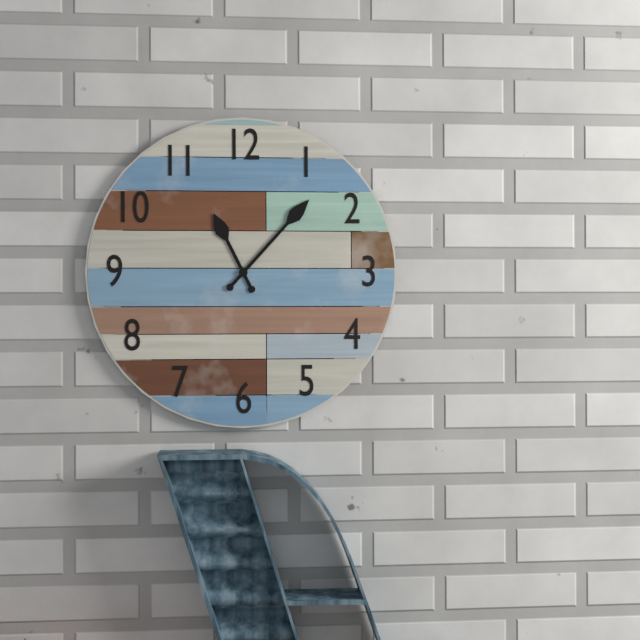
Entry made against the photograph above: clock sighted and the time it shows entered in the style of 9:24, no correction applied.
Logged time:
11:07
